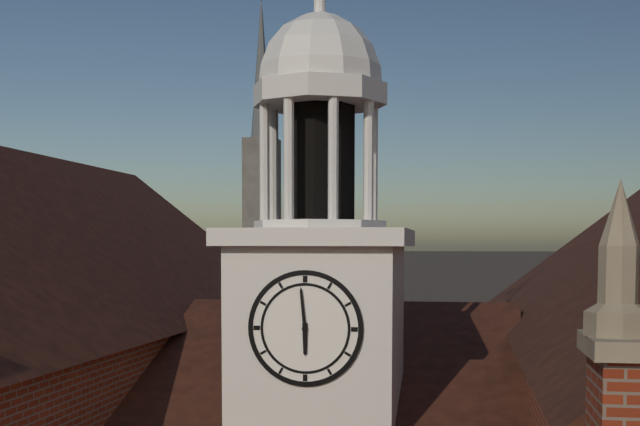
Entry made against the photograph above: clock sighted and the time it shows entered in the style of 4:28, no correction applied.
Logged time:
5:59
